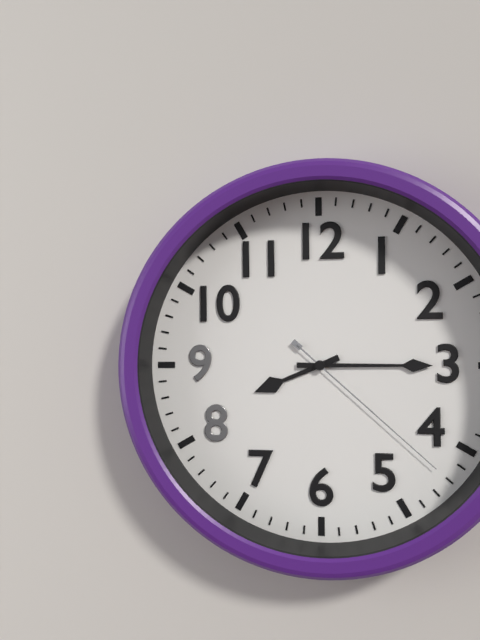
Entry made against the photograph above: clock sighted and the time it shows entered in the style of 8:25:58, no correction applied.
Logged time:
8:15:22
